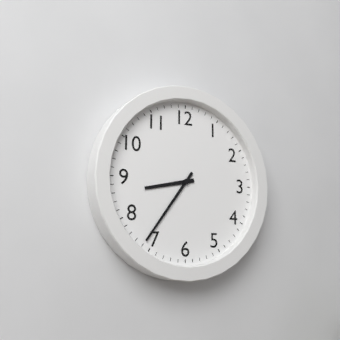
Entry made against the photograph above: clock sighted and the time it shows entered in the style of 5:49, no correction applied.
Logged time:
8:36
